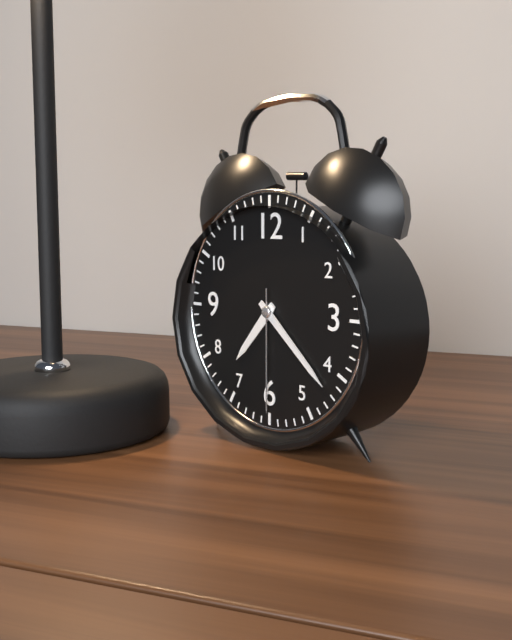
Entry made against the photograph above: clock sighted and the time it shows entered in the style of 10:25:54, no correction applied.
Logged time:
7:22:30
